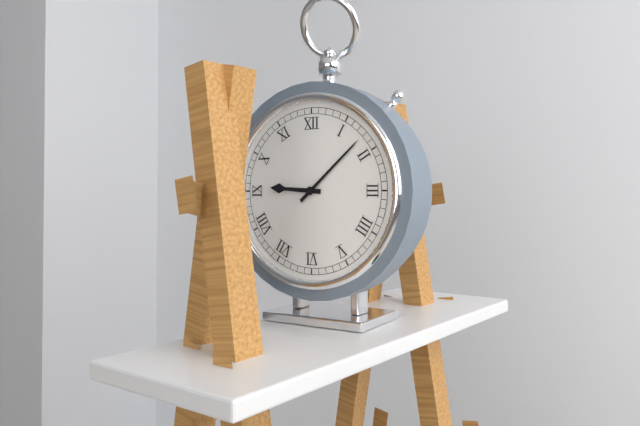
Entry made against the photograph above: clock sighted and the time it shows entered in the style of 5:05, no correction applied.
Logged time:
9:08
